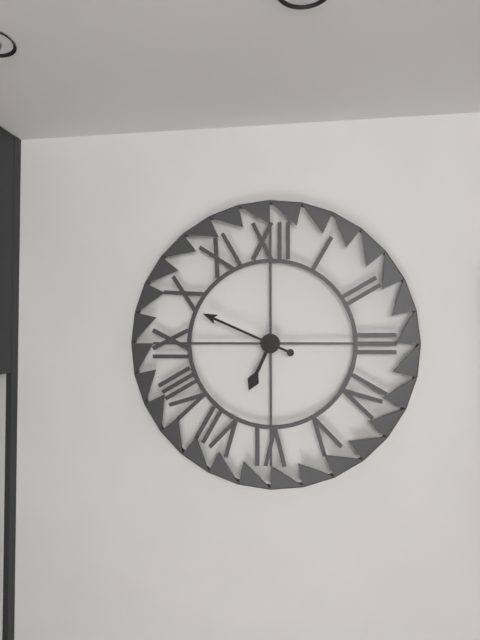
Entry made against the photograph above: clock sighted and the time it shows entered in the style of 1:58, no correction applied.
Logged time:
6:49
